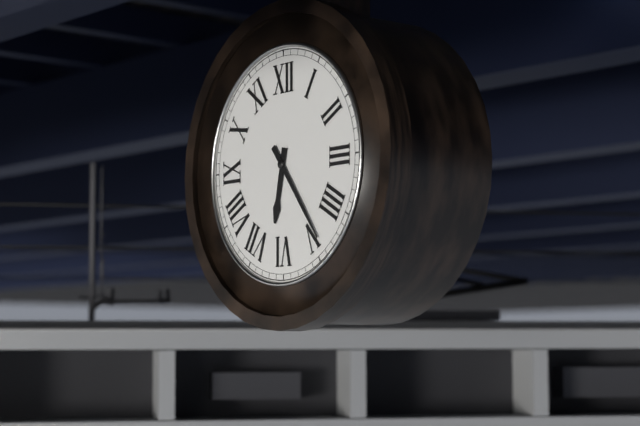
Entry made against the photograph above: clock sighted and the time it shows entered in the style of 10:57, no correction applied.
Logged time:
6:24
